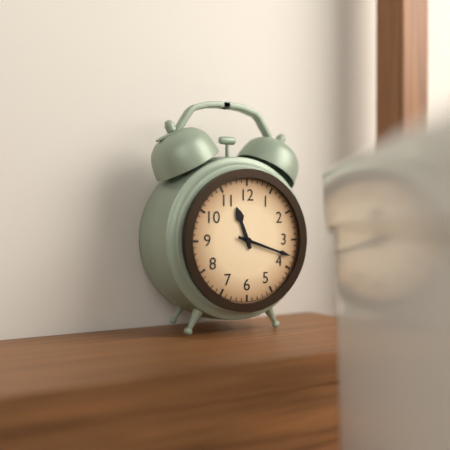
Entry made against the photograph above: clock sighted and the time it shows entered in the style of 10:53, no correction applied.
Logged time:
11:18
